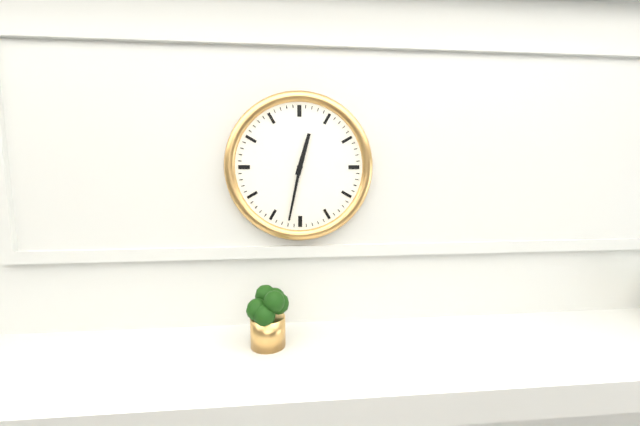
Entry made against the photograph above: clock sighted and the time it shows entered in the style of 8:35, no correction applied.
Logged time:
12:32
